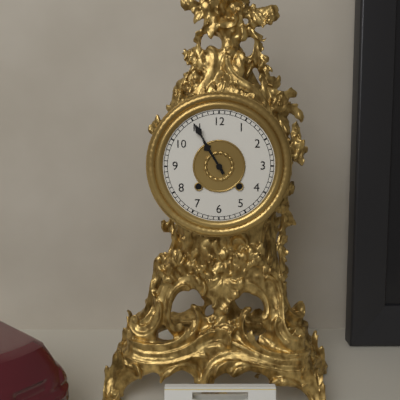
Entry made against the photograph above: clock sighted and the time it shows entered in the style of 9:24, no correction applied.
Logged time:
10:55
